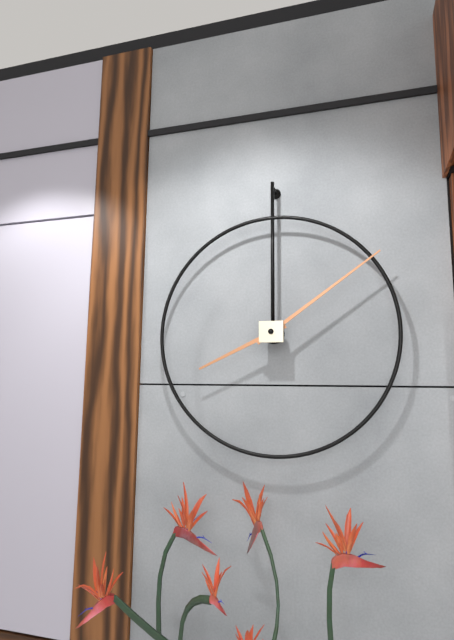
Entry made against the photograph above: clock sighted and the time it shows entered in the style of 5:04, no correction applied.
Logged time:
8:09
